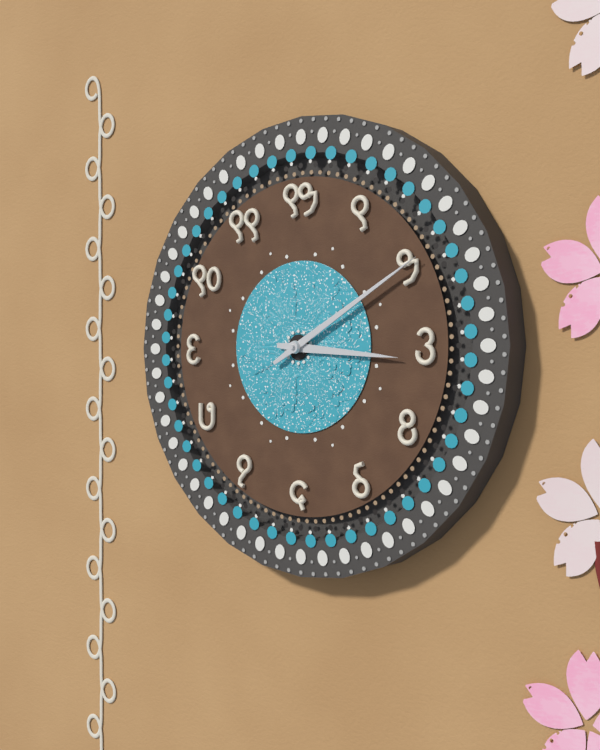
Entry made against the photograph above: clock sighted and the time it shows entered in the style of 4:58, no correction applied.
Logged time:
3:10
